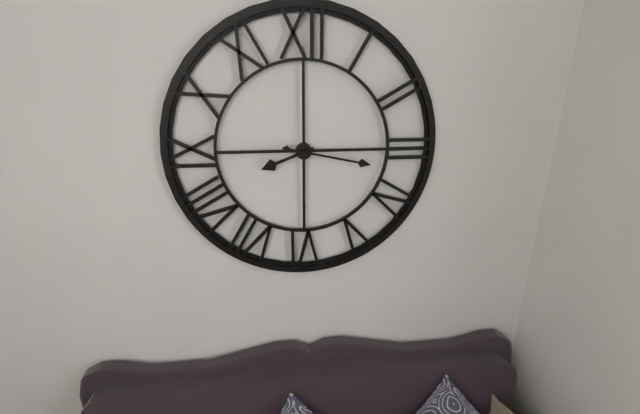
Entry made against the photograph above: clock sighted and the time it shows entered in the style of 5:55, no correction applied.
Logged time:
8:17
